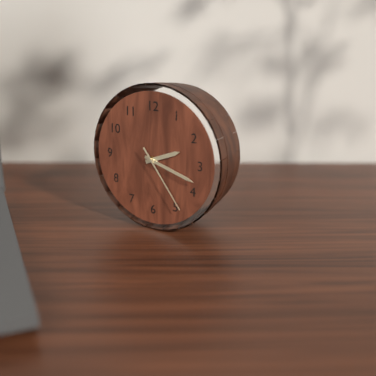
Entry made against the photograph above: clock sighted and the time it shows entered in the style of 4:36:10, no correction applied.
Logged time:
2:18:24
